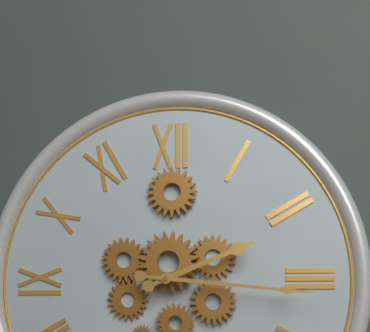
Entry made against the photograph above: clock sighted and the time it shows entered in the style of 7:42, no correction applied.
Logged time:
2:16
